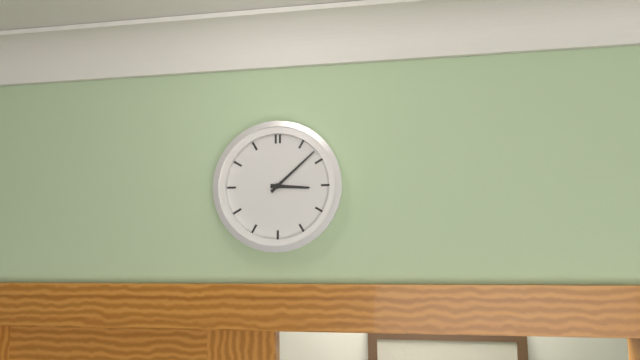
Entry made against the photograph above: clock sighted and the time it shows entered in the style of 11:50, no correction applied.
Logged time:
3:08
